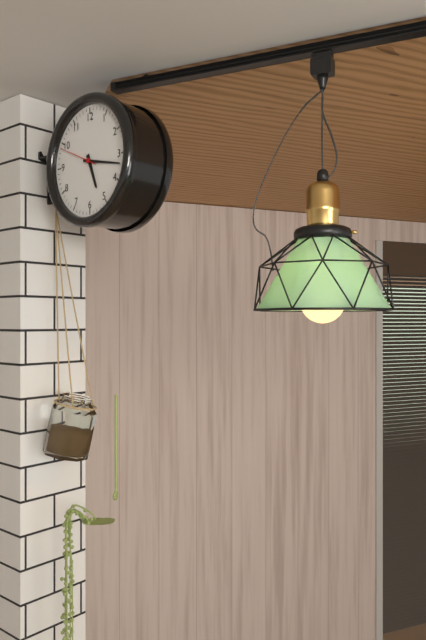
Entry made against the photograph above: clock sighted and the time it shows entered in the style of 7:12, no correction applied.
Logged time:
5:17
